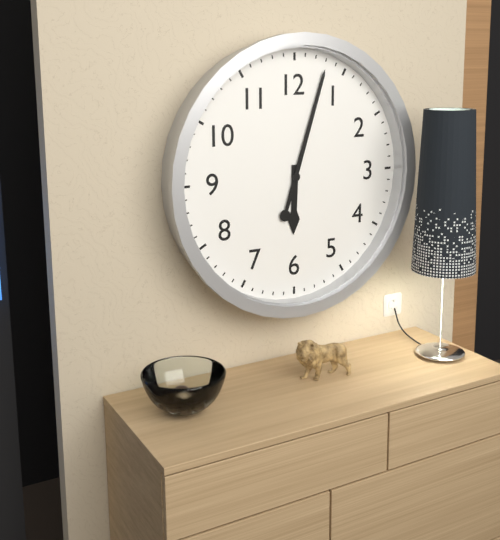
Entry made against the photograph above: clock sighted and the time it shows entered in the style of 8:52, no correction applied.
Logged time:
6:03
